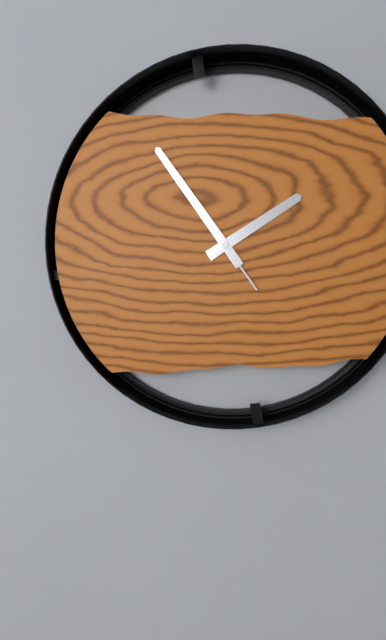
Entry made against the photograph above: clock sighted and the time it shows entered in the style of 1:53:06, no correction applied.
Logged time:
1:54:54
